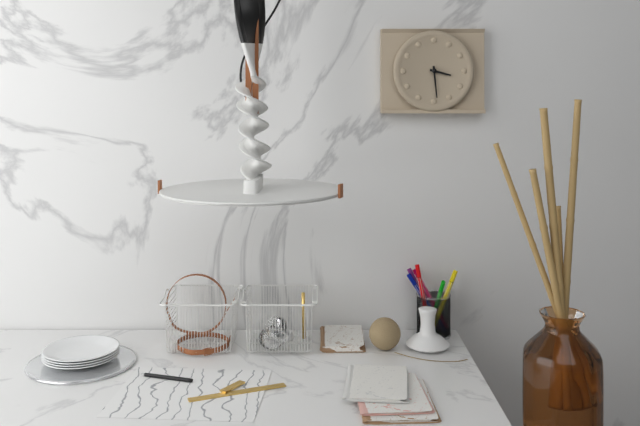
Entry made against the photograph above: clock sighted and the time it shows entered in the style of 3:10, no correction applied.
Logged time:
3:29
